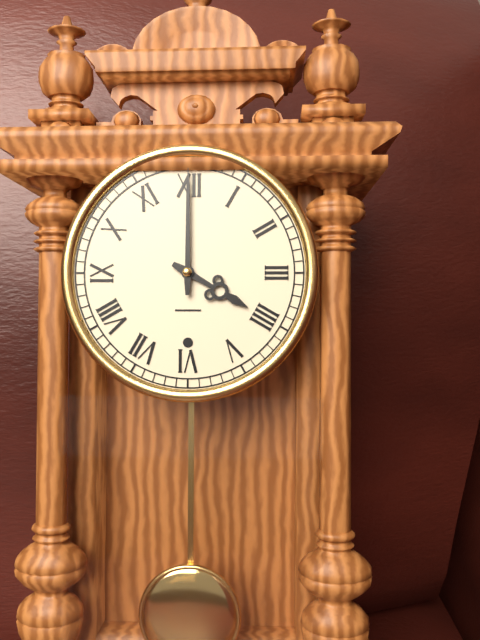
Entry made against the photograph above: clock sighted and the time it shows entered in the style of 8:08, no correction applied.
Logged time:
4:00
